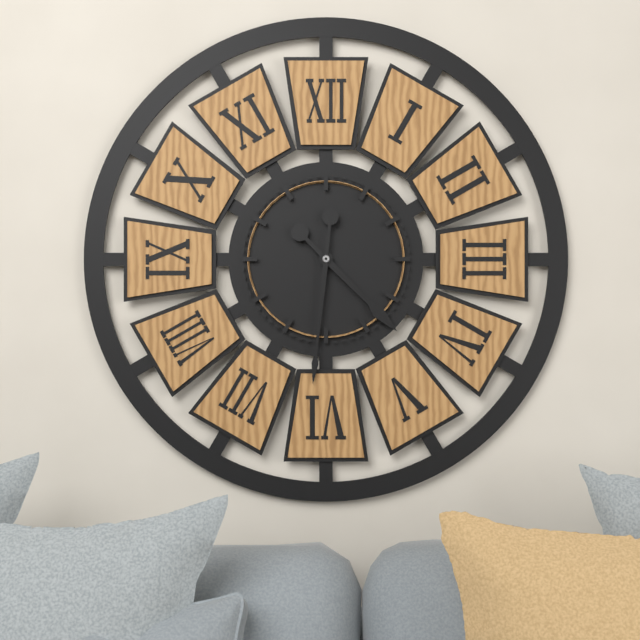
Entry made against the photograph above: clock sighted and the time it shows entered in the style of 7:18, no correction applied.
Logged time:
4:31
